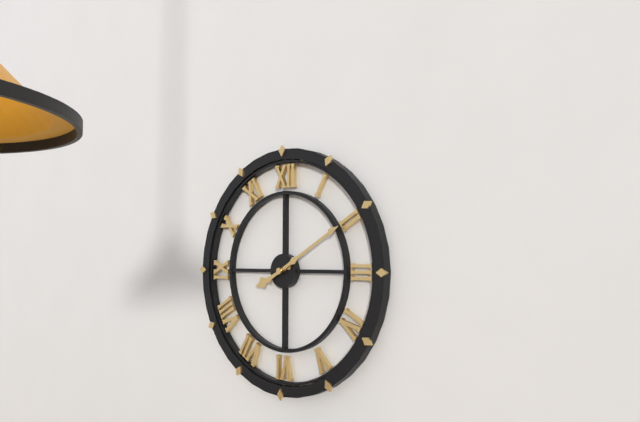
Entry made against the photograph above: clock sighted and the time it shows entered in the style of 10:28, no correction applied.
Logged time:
8:10
